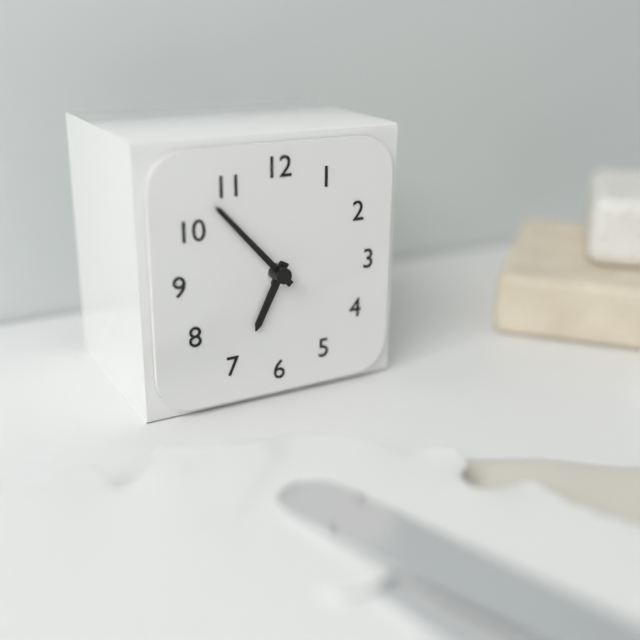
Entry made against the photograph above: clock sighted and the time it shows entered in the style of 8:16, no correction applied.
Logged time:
6:53
